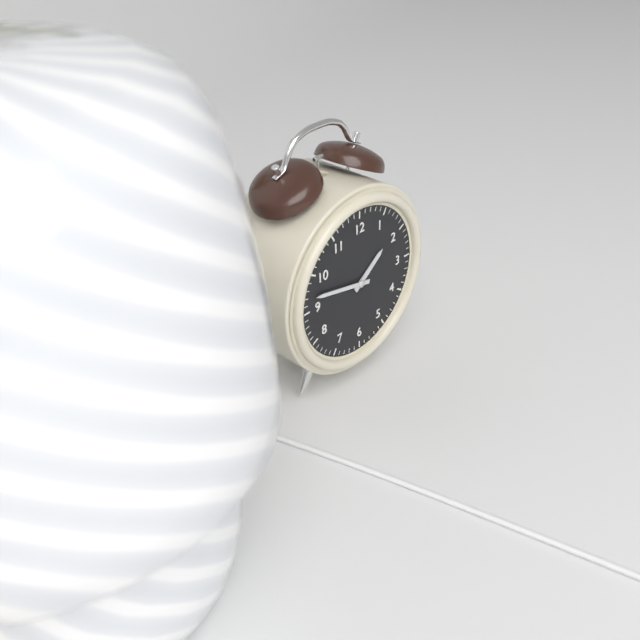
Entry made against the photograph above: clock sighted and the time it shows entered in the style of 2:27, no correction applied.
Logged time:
1:47
